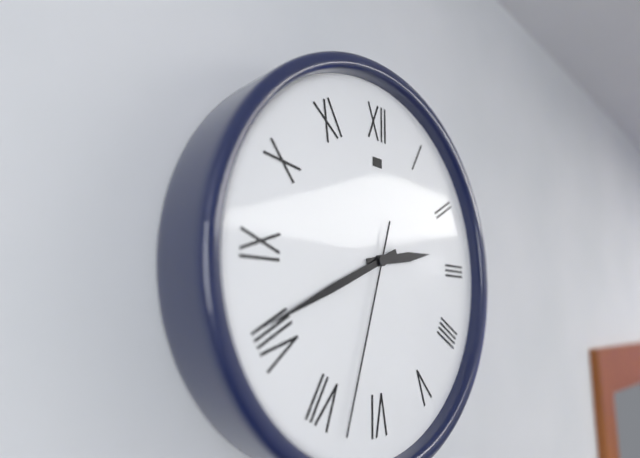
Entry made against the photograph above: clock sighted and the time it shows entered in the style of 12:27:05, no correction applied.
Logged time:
2:41:33
